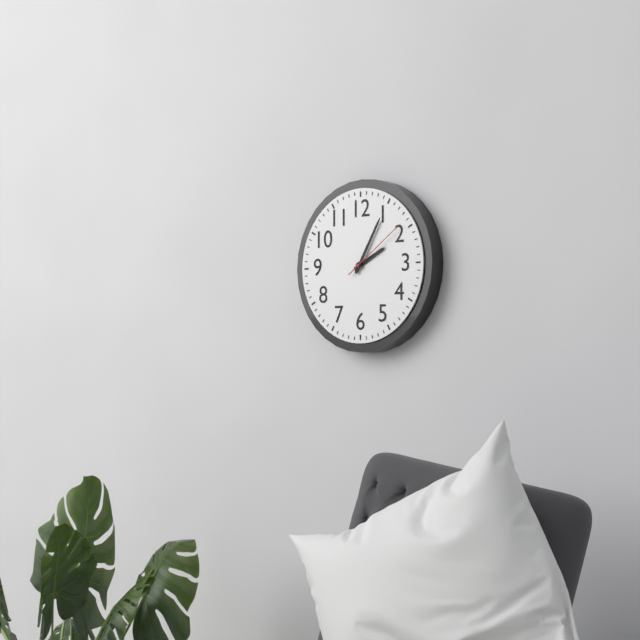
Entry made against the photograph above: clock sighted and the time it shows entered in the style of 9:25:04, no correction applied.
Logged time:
2:05:09
